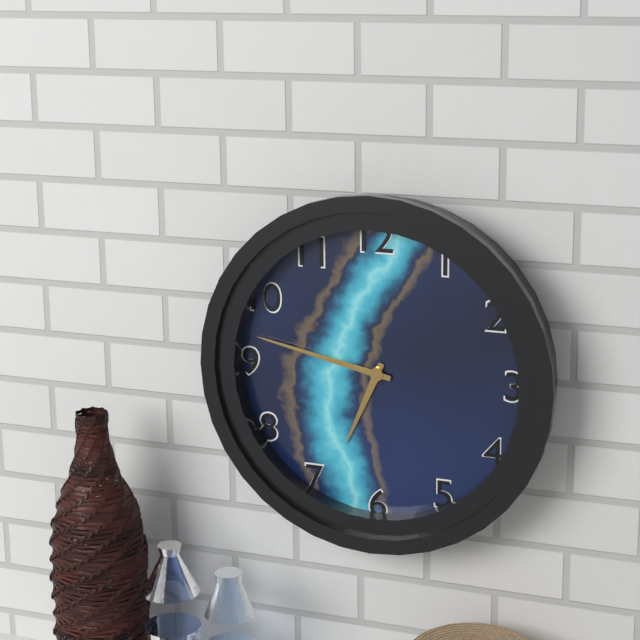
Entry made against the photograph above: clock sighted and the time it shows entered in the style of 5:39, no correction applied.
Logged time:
6:47
